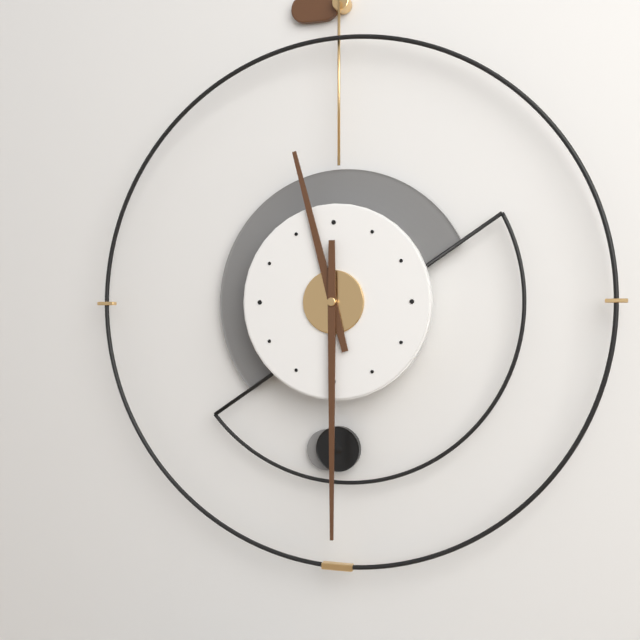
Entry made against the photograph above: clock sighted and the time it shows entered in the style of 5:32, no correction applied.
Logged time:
11:30
